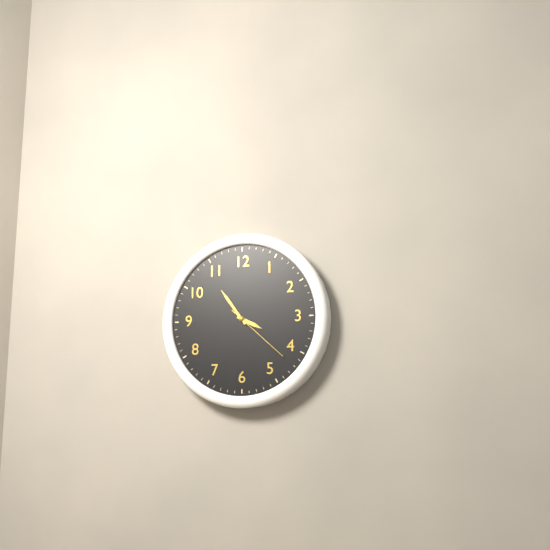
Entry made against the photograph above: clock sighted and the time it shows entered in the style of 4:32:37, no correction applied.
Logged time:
3:54:22
